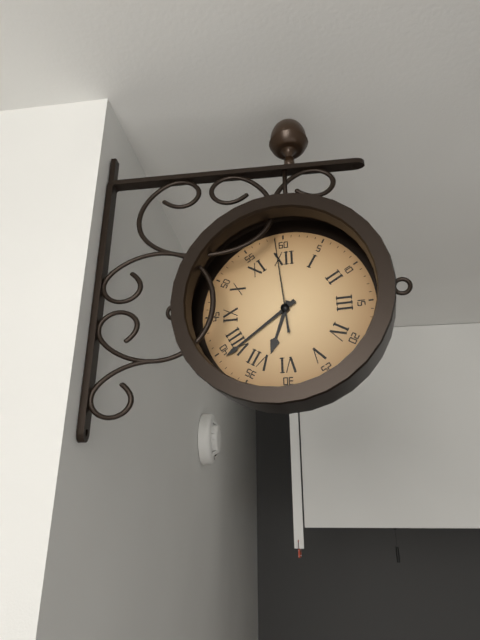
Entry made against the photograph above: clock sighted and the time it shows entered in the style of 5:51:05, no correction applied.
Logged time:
6:39:59
